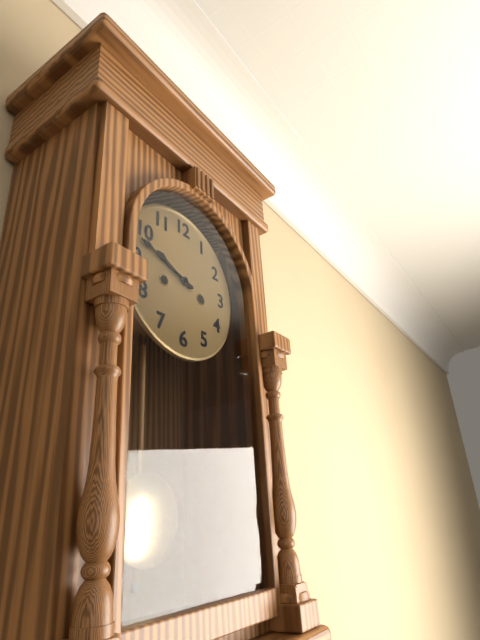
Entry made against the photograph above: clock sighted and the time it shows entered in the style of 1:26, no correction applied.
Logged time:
9:48
